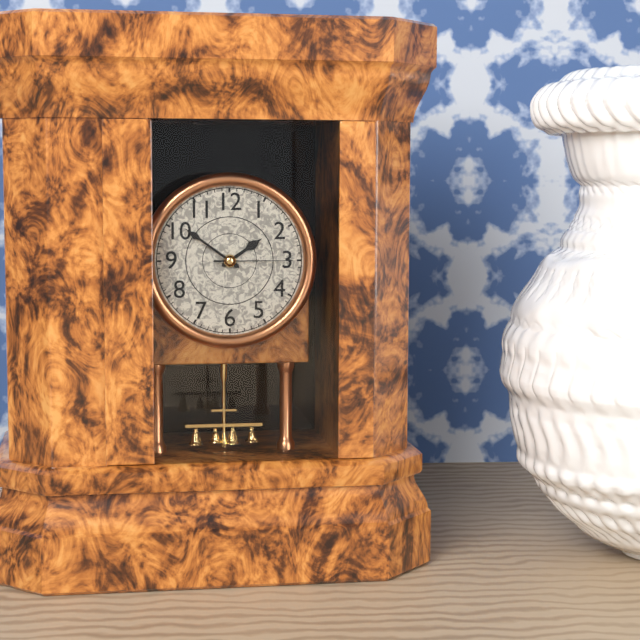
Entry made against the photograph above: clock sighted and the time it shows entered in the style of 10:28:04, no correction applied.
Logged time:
1:51:15
